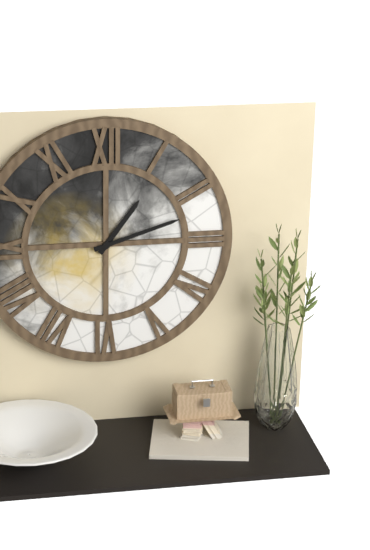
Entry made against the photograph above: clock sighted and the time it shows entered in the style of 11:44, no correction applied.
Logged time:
1:12
